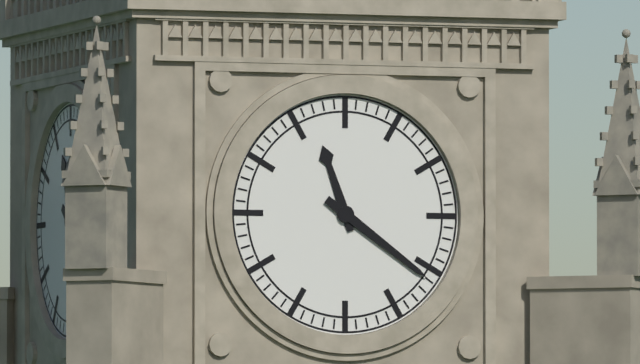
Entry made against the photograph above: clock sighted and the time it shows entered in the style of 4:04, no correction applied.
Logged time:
11:21
